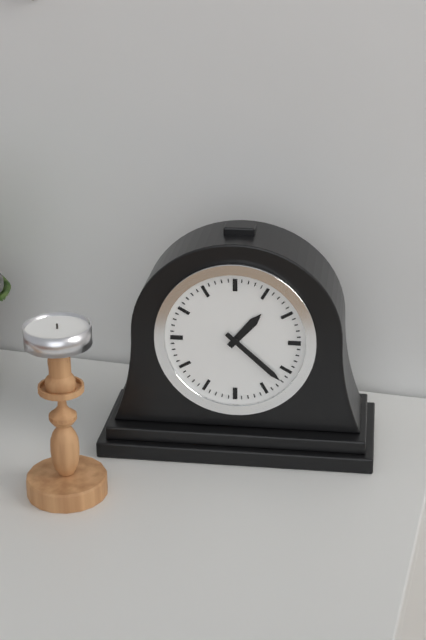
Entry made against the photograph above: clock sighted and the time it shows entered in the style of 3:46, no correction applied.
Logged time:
1:22
